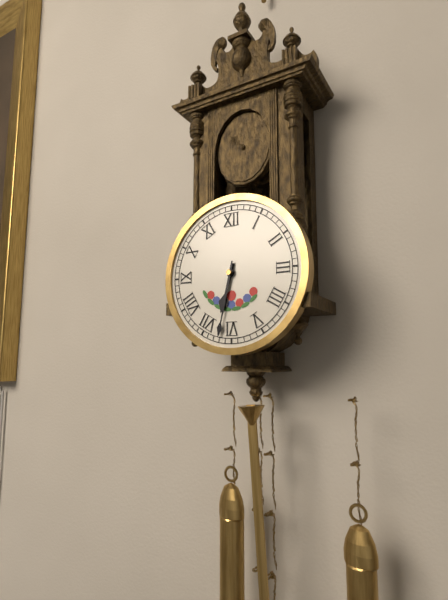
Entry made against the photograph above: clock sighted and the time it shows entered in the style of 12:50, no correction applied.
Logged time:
6:32
